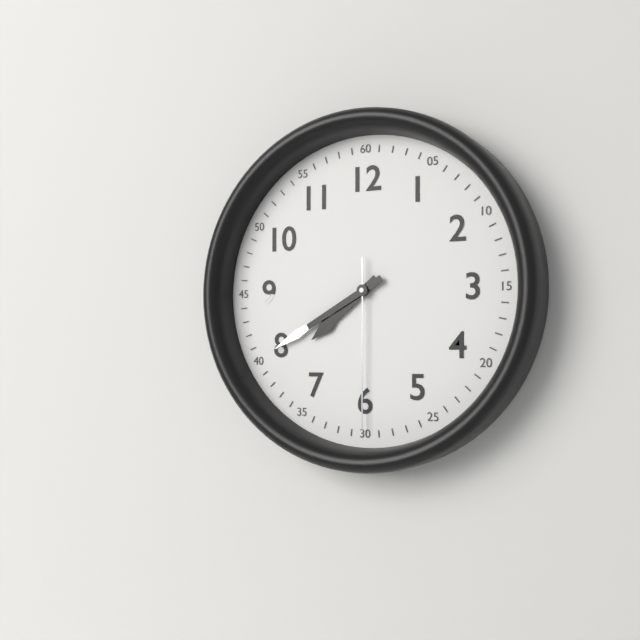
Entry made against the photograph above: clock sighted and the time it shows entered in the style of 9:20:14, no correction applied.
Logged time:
7:40:30
